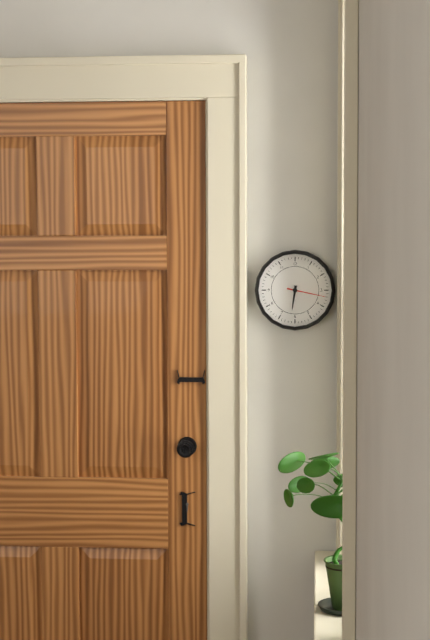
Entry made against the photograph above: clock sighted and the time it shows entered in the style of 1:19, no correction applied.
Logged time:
6:17
